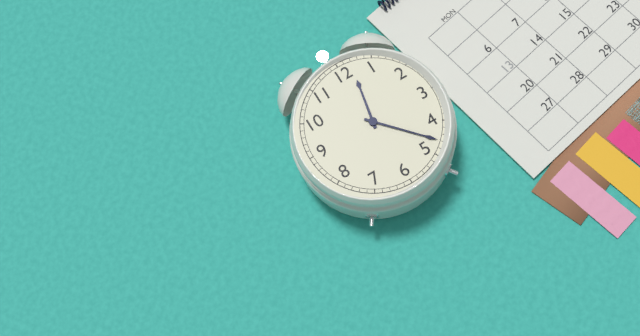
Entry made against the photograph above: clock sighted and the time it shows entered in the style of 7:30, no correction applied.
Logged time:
12:23
